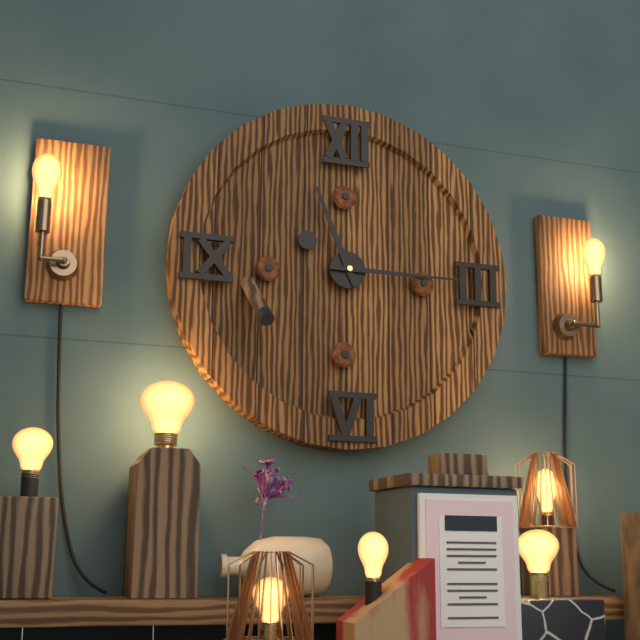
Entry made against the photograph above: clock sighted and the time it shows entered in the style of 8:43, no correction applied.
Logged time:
11:15
